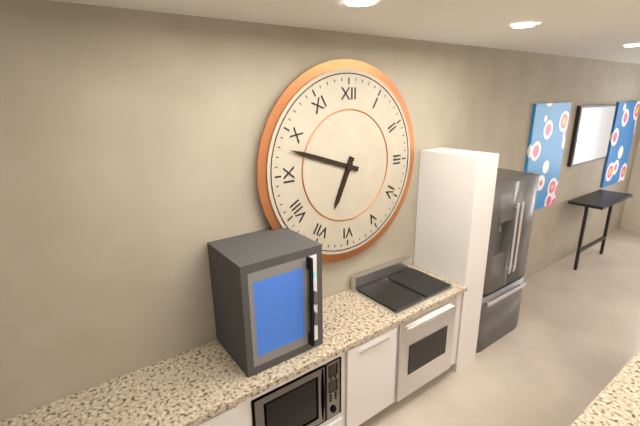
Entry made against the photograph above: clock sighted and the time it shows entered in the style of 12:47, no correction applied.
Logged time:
6:48
